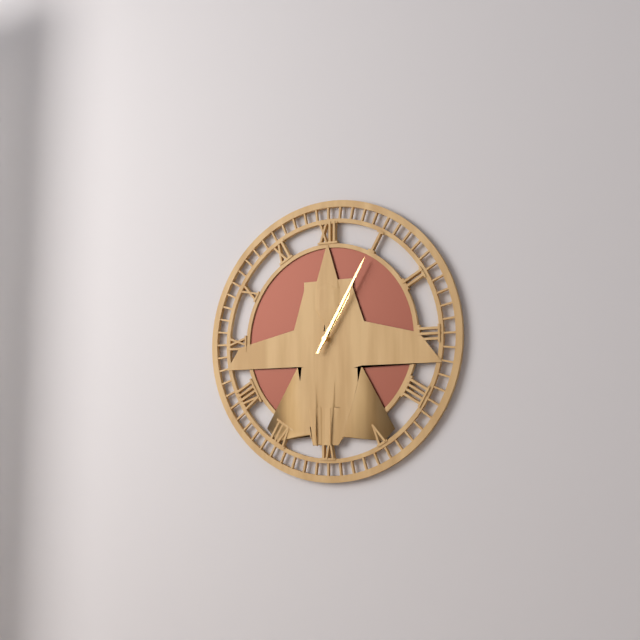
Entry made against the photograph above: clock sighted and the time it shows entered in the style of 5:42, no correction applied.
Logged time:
1:05
